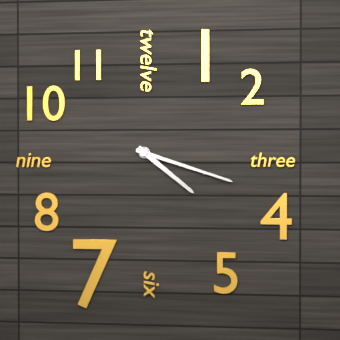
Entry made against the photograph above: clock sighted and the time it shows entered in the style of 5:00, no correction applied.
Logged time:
4:18
